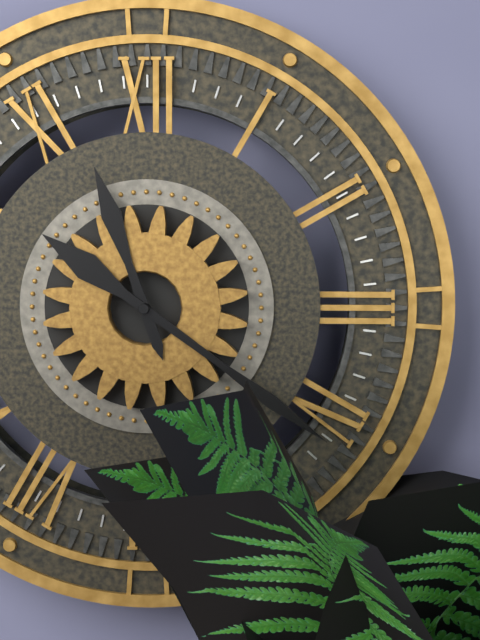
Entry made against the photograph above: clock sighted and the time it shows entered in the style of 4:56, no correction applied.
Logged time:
11:21
